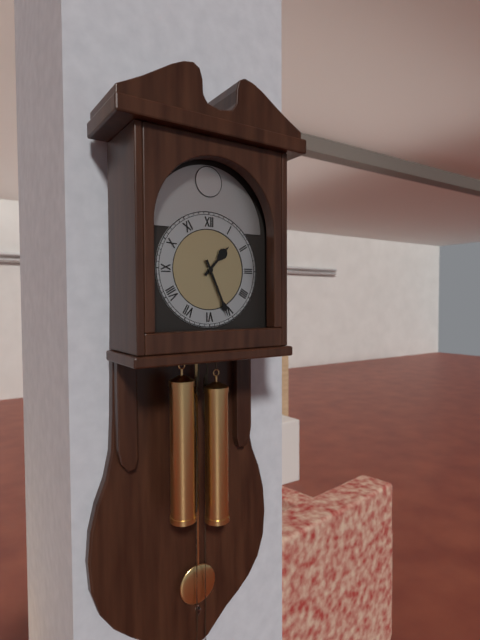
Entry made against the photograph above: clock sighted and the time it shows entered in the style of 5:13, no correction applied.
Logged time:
1:26
